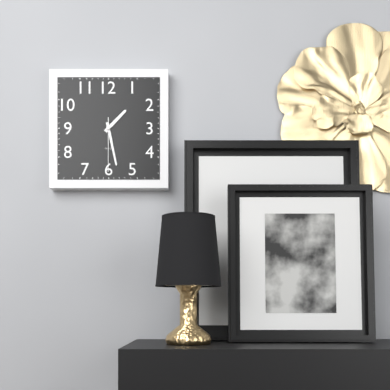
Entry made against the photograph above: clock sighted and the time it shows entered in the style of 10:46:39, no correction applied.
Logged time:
1:28:30
